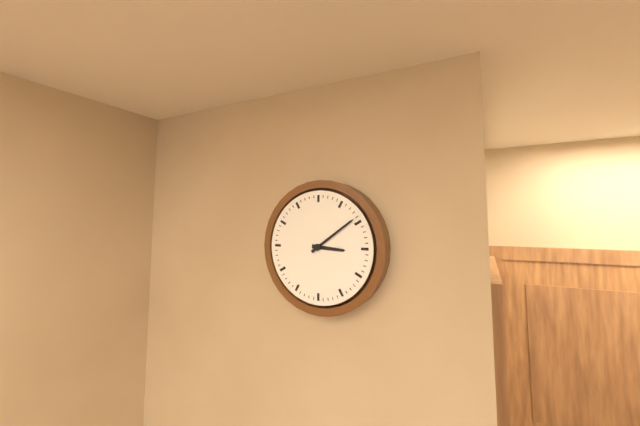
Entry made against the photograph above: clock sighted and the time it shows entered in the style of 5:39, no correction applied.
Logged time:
3:09
